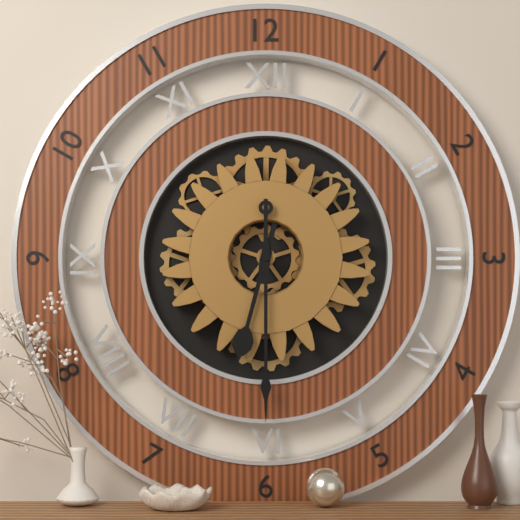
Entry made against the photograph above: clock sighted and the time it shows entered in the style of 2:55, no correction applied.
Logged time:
6:30
